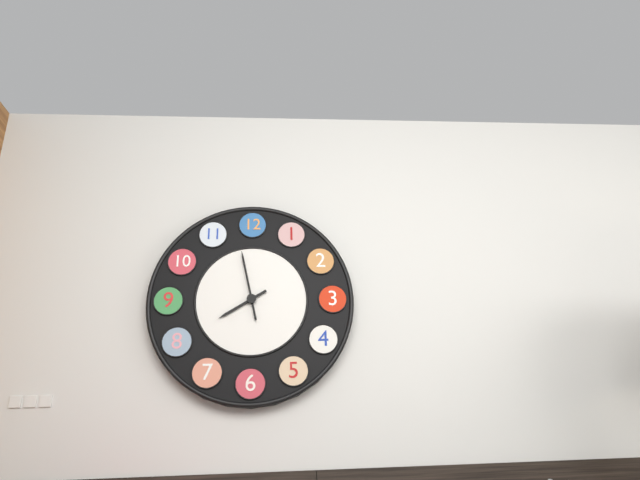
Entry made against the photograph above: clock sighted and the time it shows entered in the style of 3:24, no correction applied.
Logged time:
7:58
